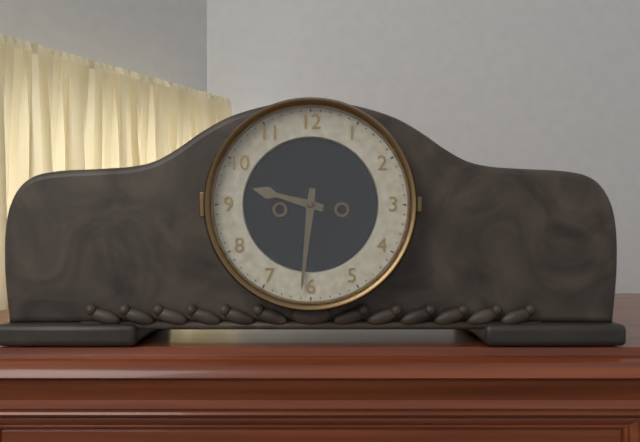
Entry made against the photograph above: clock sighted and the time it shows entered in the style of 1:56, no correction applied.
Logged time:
9:31
